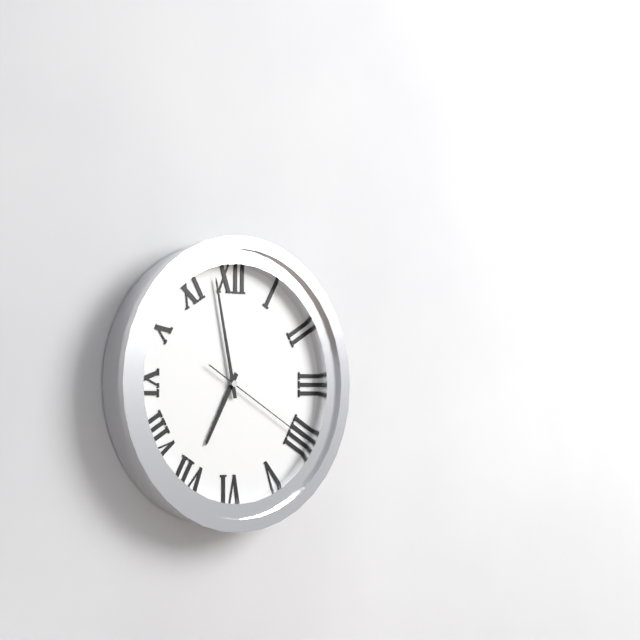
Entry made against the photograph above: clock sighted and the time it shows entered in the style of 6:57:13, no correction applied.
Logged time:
6:58:20
